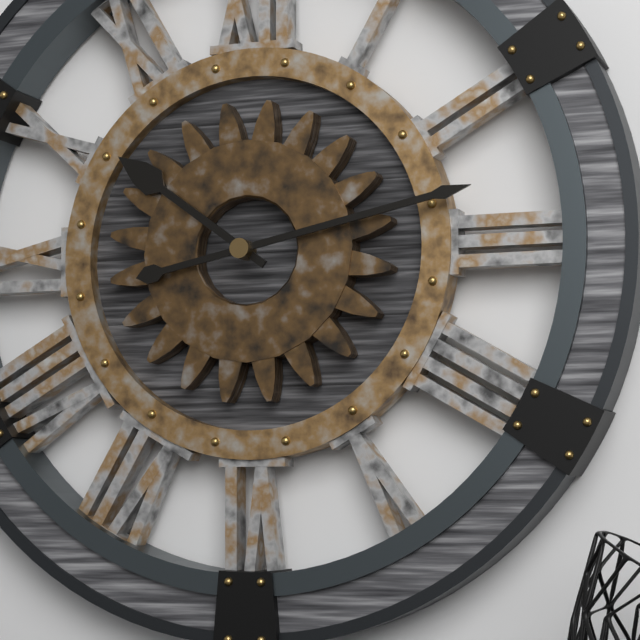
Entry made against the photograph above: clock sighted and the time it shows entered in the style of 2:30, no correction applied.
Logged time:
10:13
